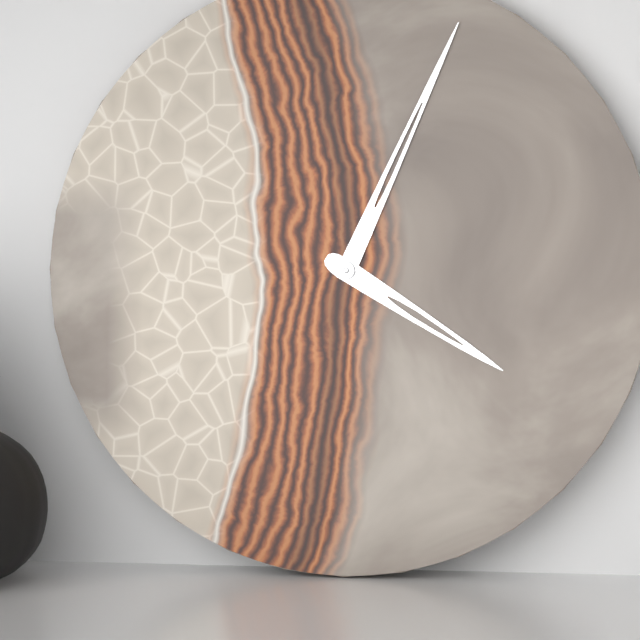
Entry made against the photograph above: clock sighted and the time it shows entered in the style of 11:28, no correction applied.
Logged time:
4:04
